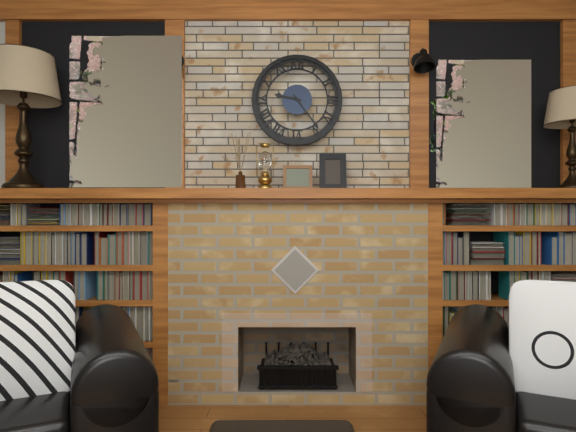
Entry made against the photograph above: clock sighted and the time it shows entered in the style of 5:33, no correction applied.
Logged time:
9:24
